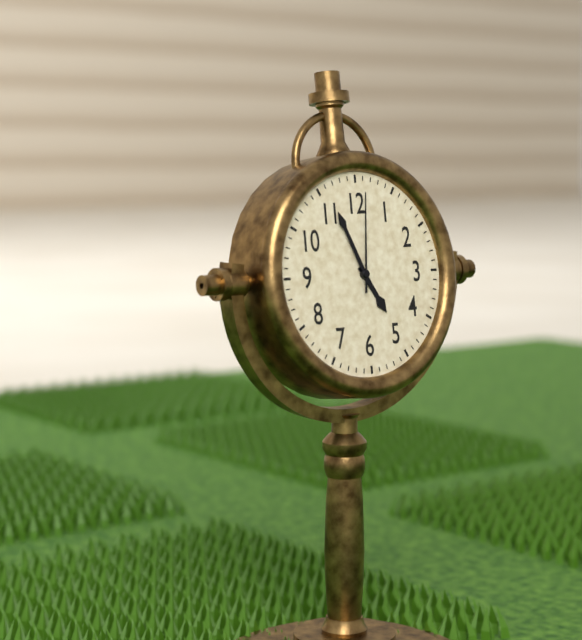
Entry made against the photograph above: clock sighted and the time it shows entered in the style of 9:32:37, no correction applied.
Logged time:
4:56:01
